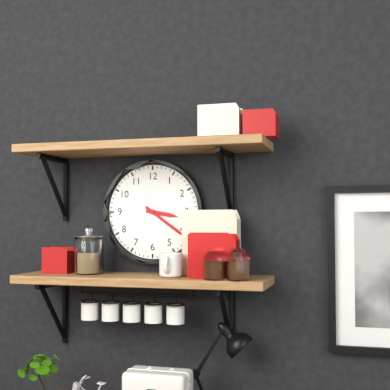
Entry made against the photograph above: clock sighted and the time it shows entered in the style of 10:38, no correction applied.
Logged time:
3:21
